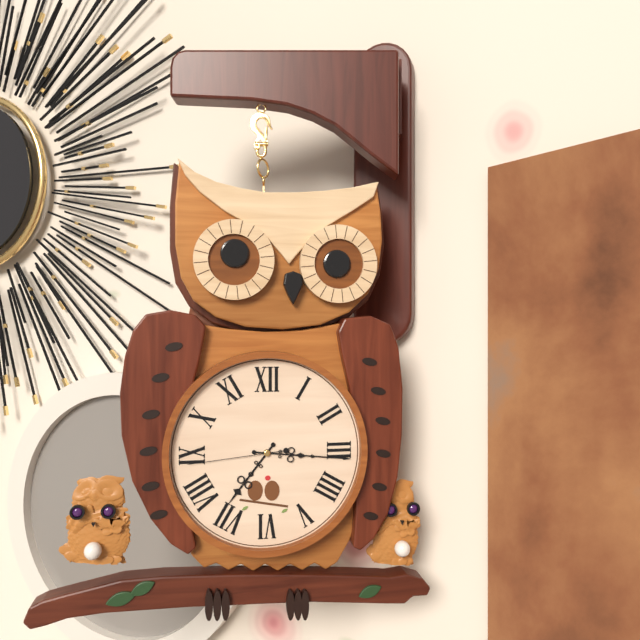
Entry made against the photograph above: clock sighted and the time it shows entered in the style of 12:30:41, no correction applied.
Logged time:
7:16:44
